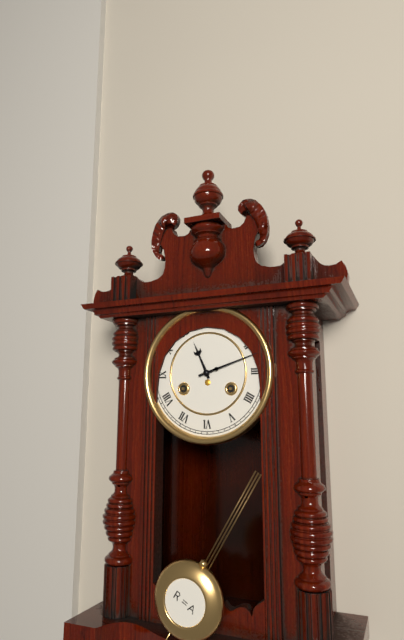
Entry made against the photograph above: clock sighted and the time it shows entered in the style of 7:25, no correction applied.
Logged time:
11:12
